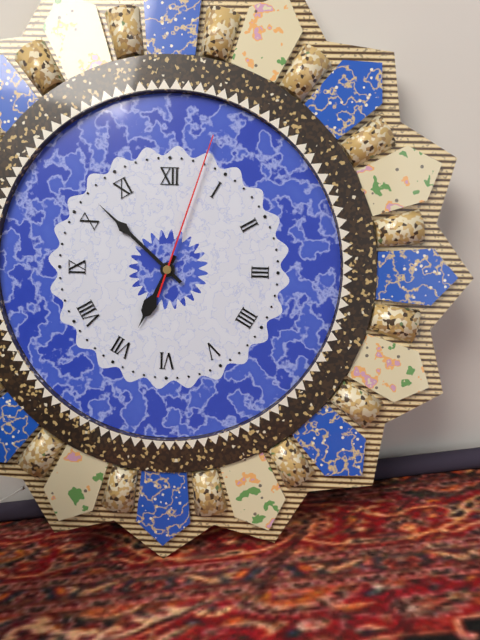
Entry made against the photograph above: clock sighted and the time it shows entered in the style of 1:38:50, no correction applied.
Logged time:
6:52:03
